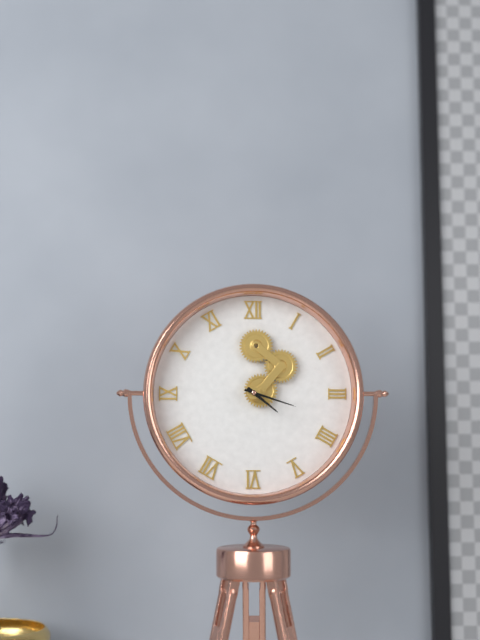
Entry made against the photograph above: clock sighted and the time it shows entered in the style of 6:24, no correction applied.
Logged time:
4:18
